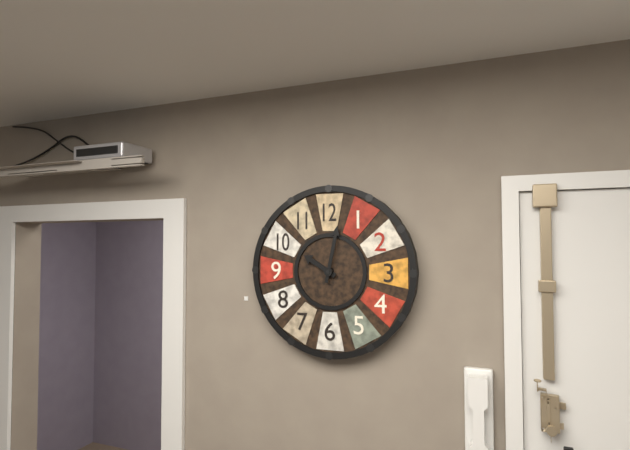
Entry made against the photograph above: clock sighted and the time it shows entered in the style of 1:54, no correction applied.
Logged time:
10:02
